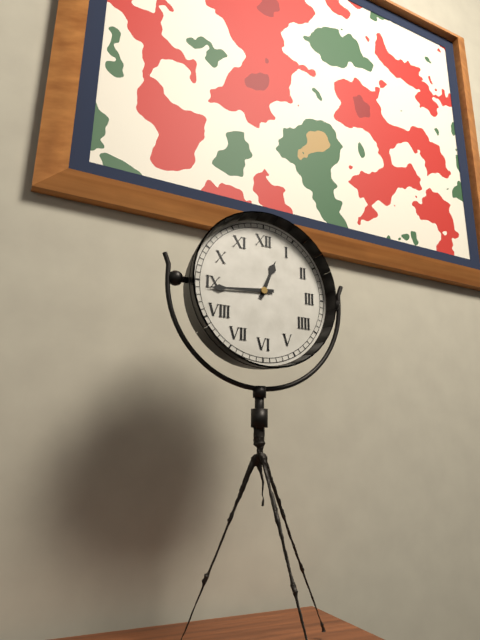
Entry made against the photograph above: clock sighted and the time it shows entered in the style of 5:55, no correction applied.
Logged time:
12:44
